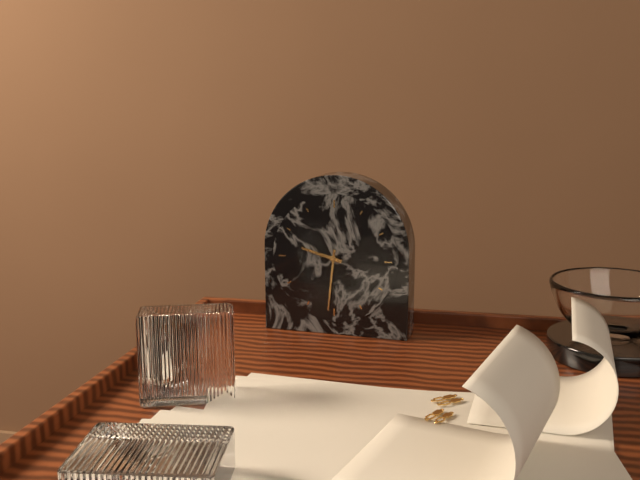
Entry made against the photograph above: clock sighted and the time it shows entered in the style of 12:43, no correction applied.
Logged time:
9:31
